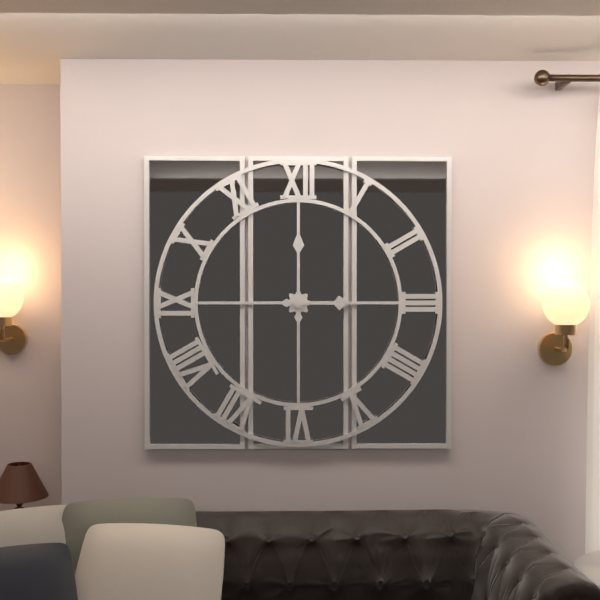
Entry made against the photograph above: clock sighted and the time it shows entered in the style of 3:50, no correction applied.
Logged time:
3:00
